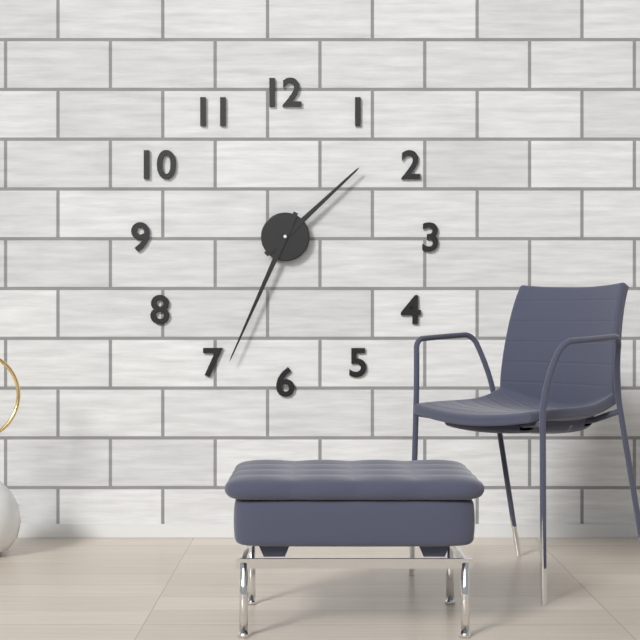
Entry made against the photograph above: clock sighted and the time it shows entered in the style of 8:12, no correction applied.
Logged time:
1:34
